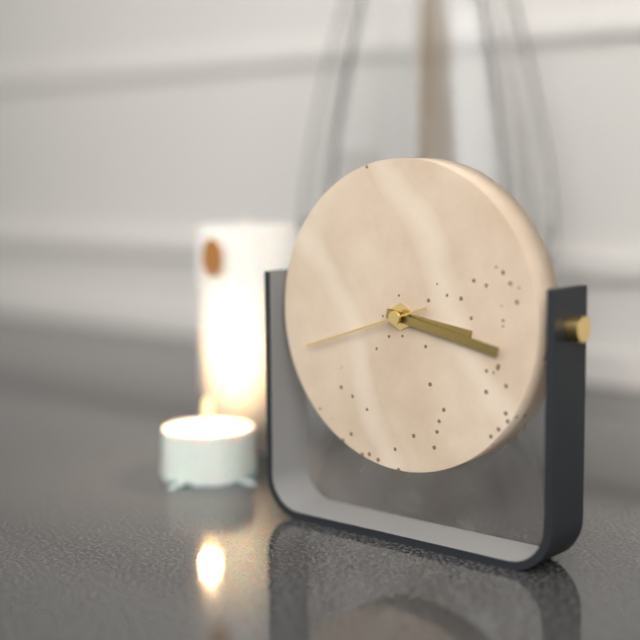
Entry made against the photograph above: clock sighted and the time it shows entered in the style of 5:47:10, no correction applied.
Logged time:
3:17:42
